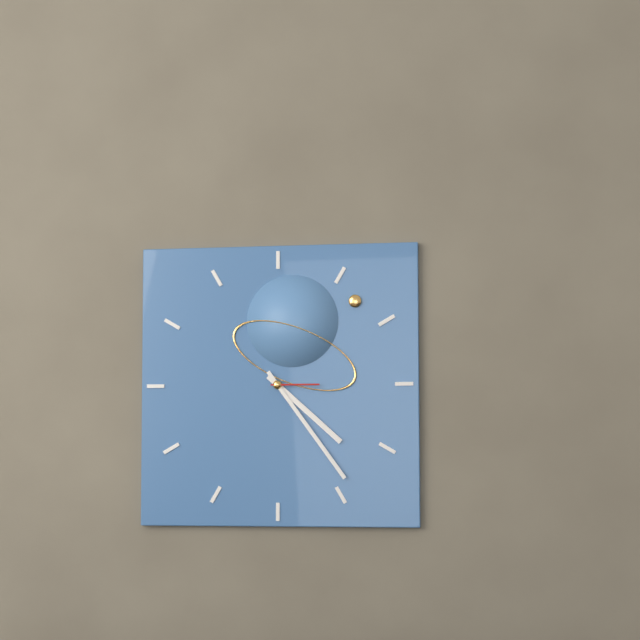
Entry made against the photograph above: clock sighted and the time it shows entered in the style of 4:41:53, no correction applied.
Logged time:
4:24:15
